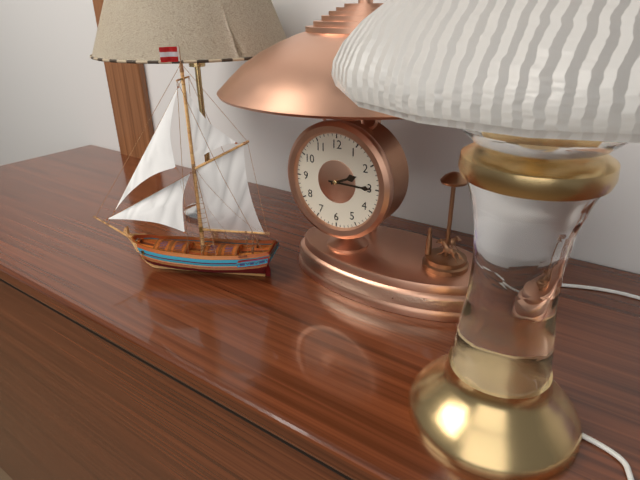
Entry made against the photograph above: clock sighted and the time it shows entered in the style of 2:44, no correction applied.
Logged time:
2:15
